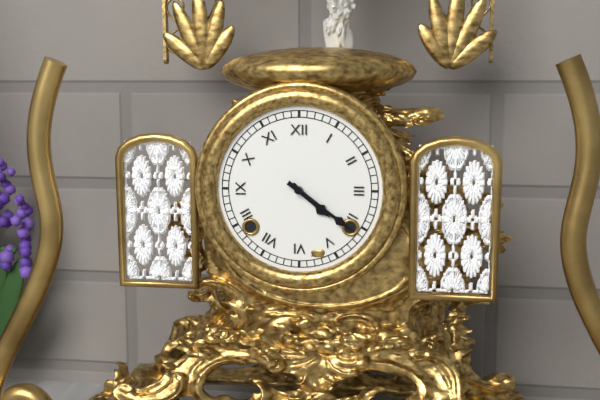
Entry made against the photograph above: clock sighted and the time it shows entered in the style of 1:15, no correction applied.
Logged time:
4:21
